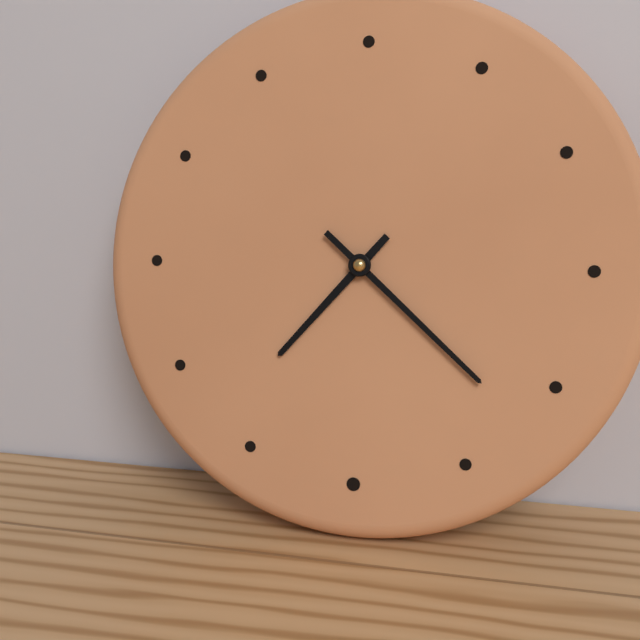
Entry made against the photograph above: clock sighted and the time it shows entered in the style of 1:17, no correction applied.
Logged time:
7:22
